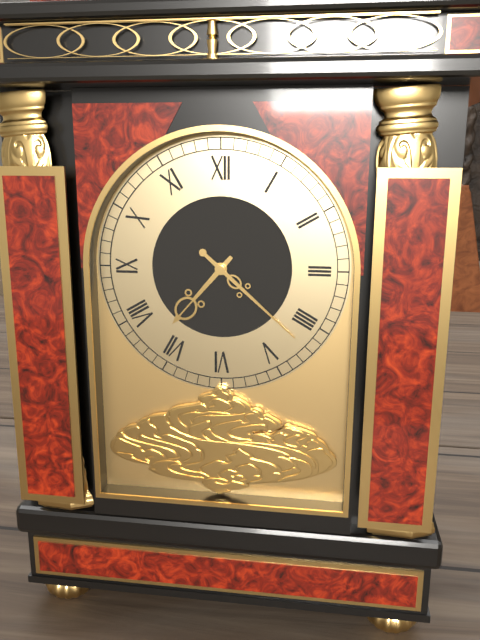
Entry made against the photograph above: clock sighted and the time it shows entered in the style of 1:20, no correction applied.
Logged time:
7:22
